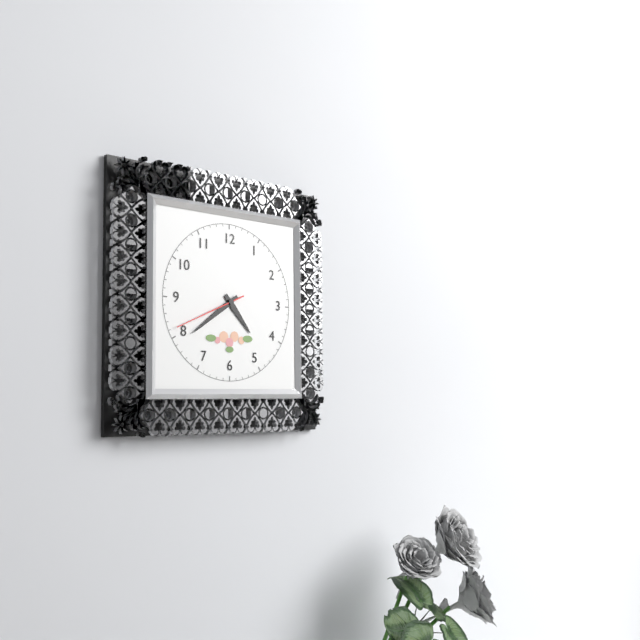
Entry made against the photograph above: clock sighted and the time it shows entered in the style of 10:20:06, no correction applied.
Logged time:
4:39:41
